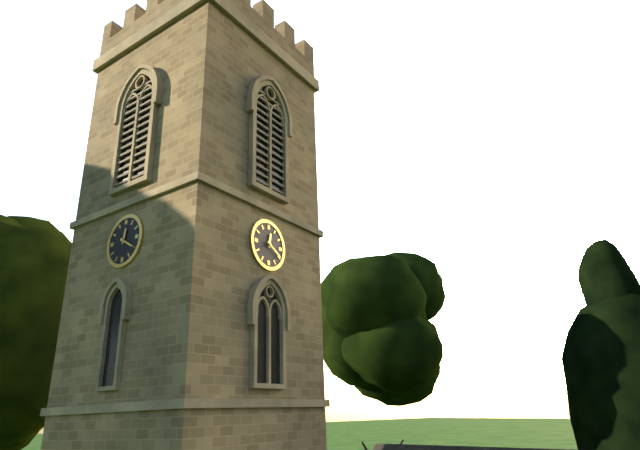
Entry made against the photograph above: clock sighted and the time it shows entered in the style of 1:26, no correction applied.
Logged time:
12:20
